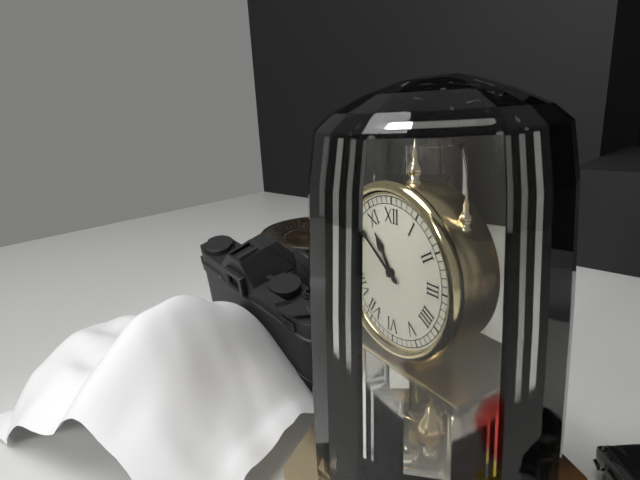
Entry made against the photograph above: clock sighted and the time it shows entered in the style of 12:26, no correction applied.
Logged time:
10:51
